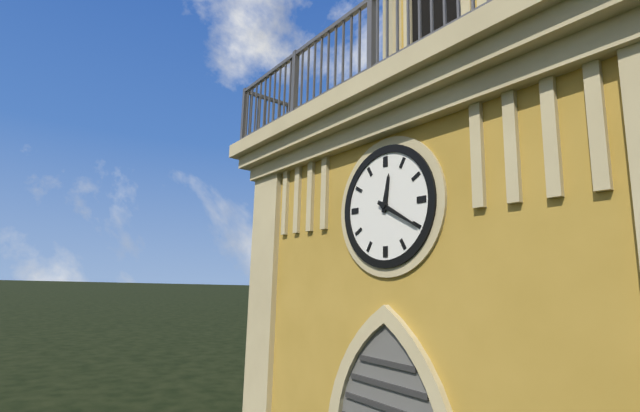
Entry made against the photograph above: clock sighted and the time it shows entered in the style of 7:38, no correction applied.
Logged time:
12:20
